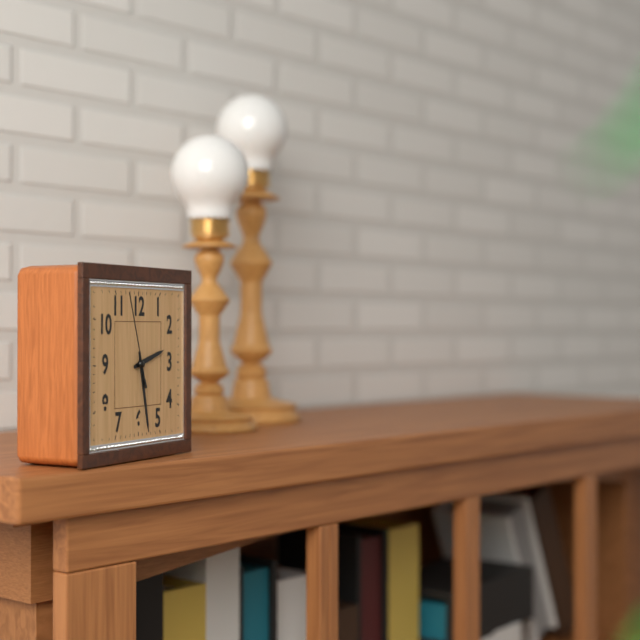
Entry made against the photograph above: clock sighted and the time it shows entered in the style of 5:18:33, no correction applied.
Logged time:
2:28:57
